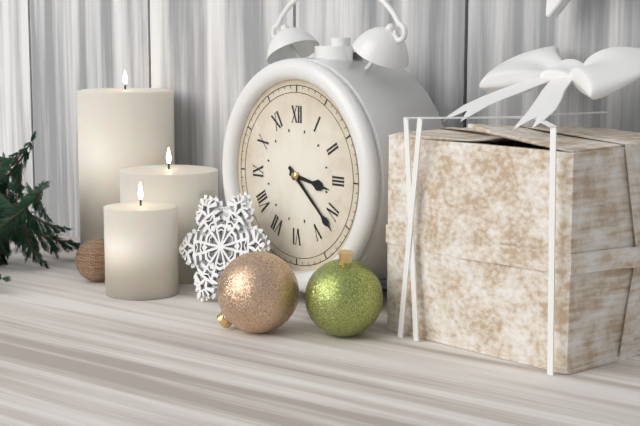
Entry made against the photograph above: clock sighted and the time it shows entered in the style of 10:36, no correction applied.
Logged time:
3:22
